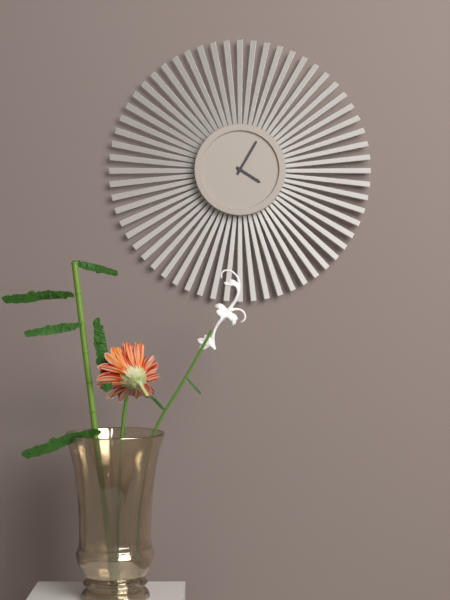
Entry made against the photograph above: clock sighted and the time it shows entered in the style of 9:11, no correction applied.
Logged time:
4:05
